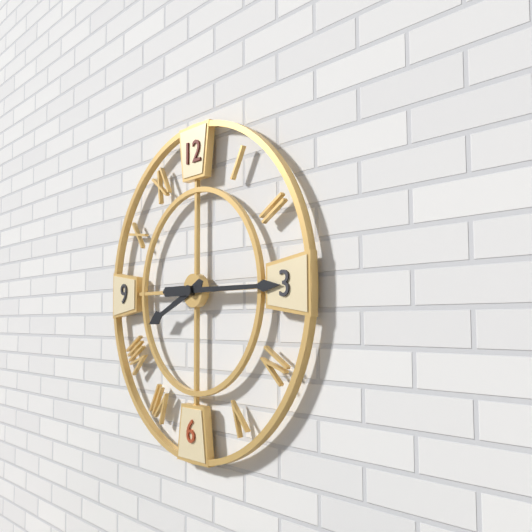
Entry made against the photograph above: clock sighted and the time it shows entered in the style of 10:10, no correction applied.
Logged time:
8:15
